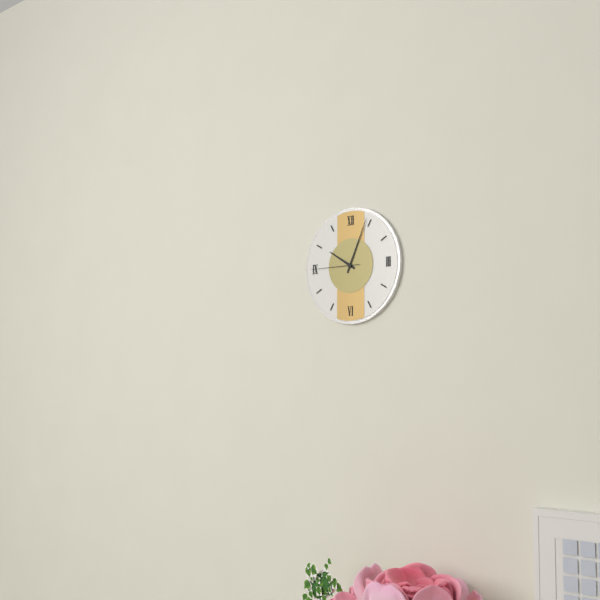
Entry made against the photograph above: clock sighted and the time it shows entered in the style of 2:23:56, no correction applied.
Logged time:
10:04:45
